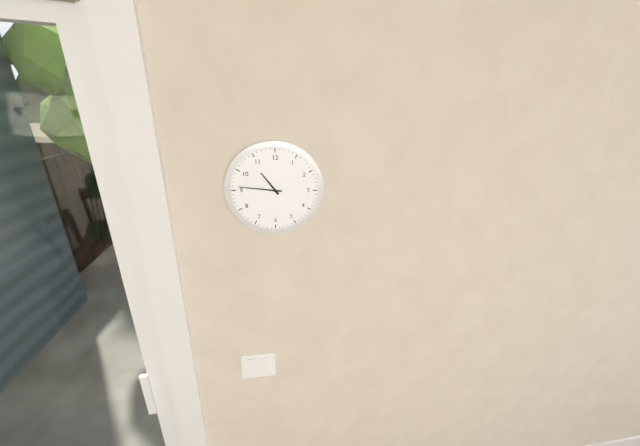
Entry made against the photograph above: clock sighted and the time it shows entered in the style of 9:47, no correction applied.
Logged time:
10:46
